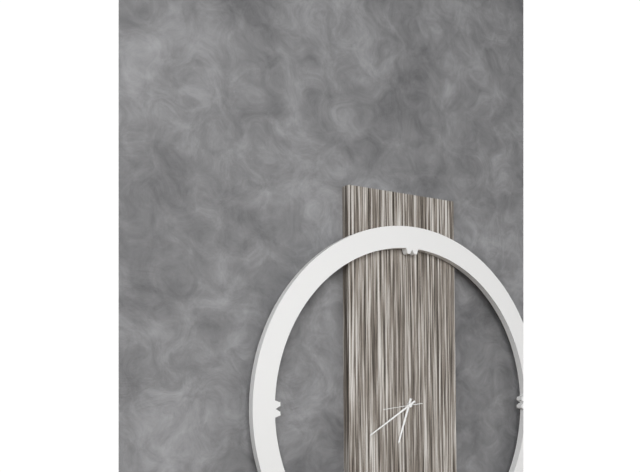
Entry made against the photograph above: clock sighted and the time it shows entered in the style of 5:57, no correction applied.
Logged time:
6:40
